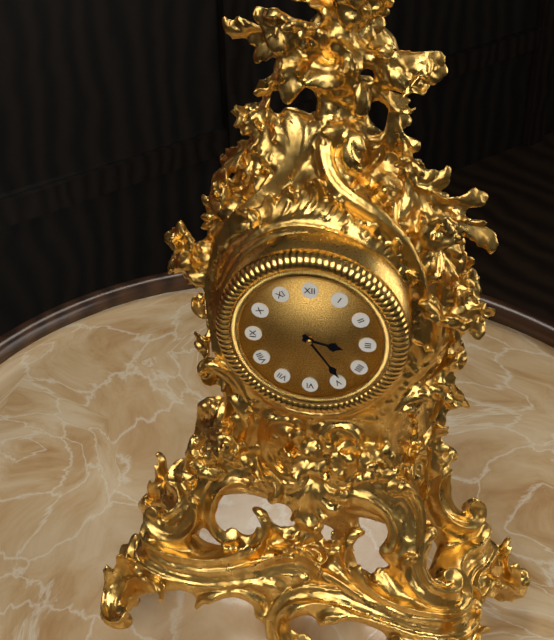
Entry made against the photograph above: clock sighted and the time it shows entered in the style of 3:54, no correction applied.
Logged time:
3:24
